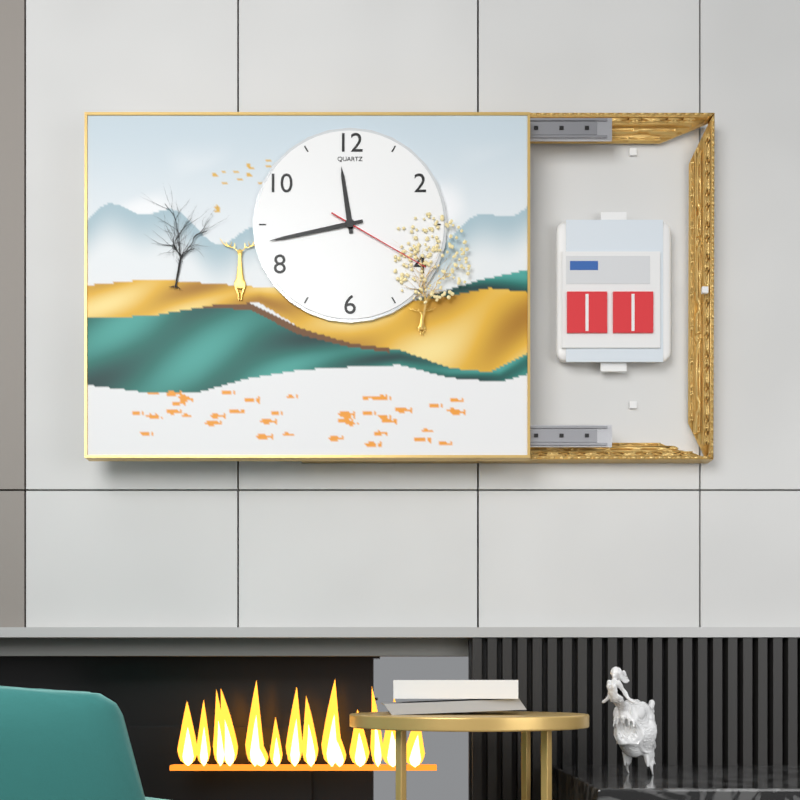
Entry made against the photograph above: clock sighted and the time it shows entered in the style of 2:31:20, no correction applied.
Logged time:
11:43:20
